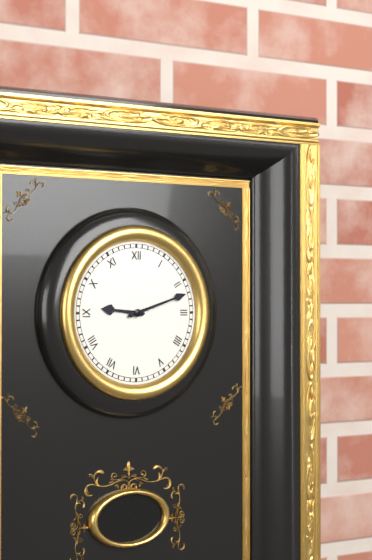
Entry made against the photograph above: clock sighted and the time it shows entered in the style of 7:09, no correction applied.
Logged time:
9:12
